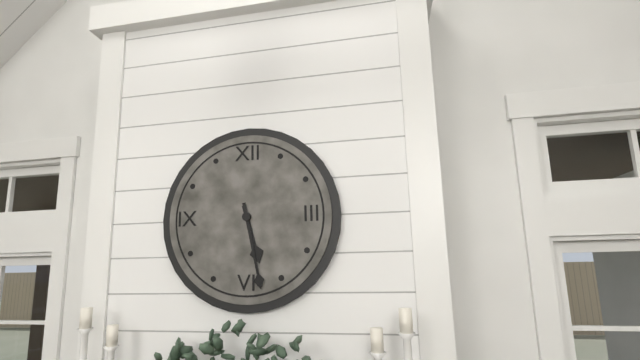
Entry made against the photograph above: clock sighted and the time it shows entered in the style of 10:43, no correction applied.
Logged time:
5:28
